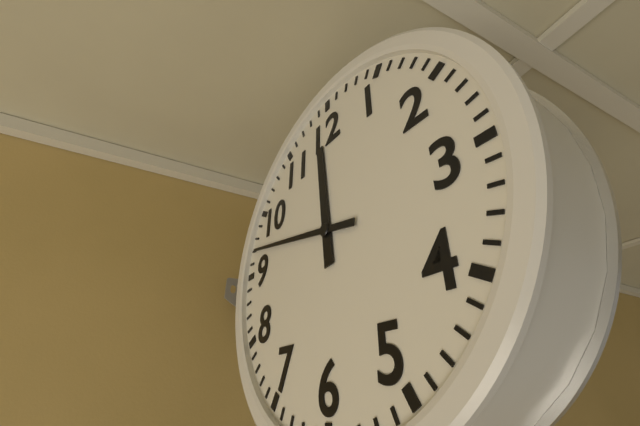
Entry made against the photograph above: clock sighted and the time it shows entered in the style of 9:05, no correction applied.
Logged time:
11:47
